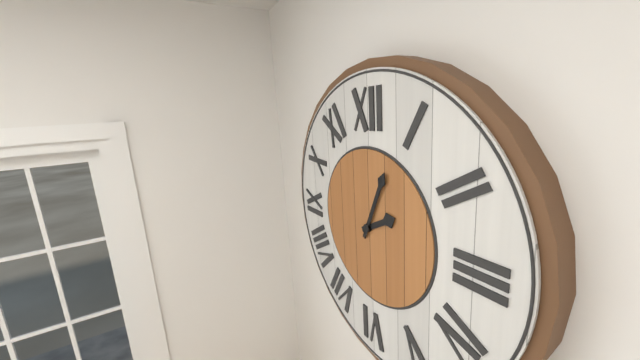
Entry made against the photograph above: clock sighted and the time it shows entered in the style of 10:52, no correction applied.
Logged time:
2:04
